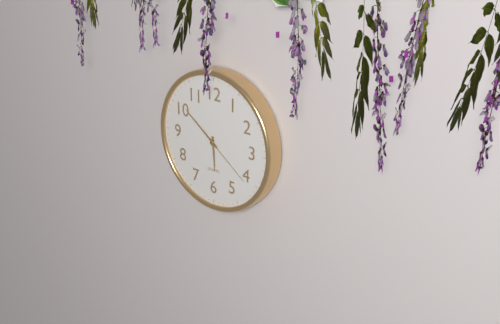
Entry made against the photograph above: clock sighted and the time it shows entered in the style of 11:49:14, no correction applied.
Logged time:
5:51:21
